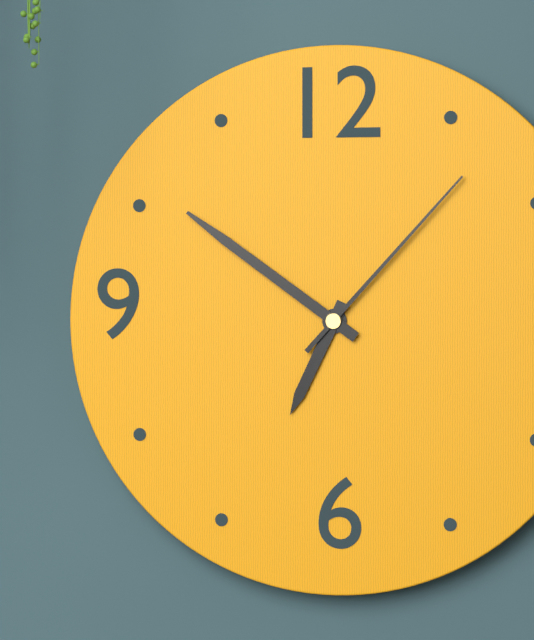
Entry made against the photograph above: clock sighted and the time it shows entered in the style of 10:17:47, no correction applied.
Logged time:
6:51:07
